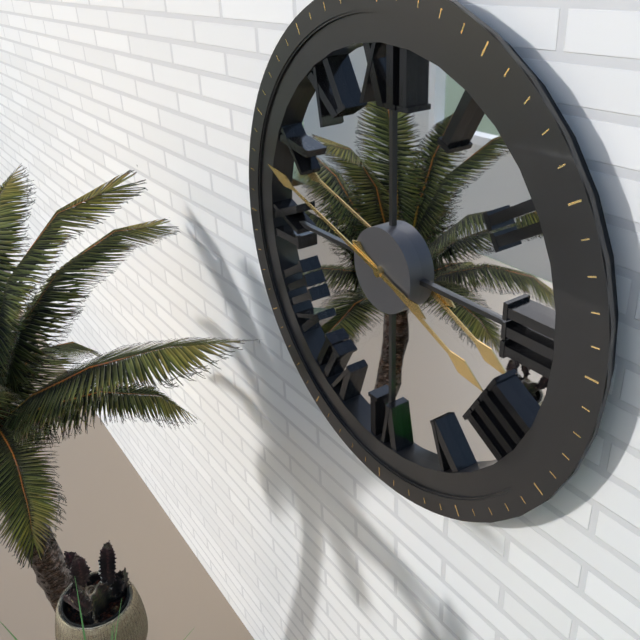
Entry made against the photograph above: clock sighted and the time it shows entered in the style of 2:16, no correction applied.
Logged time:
3:48
